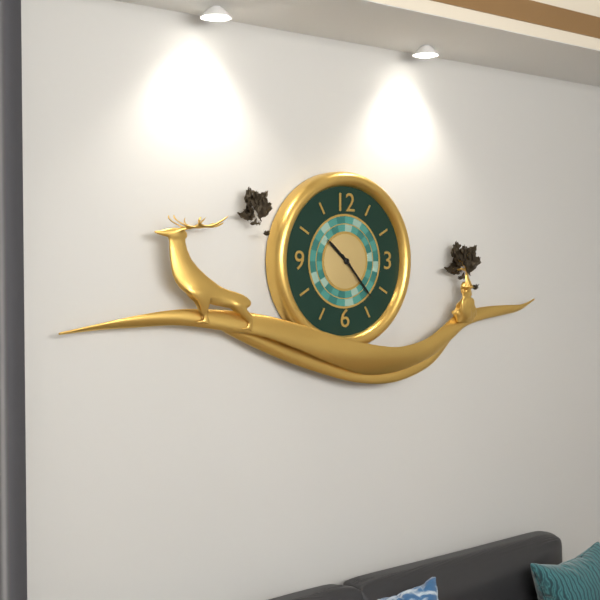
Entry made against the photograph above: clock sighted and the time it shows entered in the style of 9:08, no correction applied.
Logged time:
10:23
